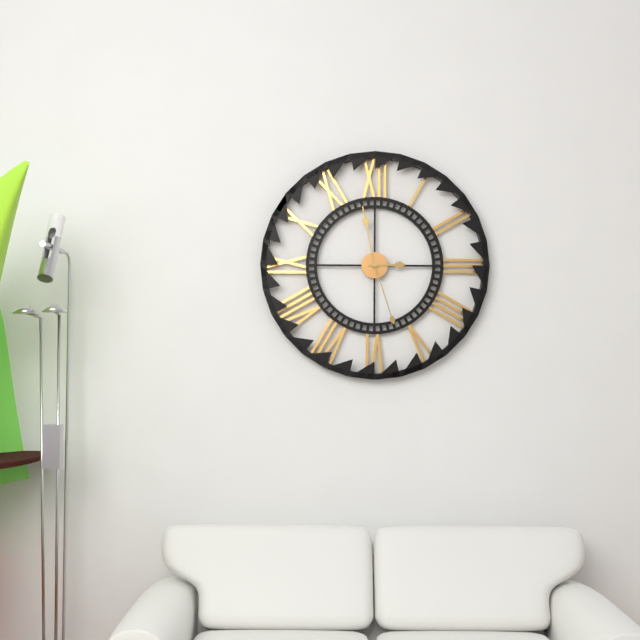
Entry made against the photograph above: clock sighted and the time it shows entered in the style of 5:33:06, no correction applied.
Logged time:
2:58:27
